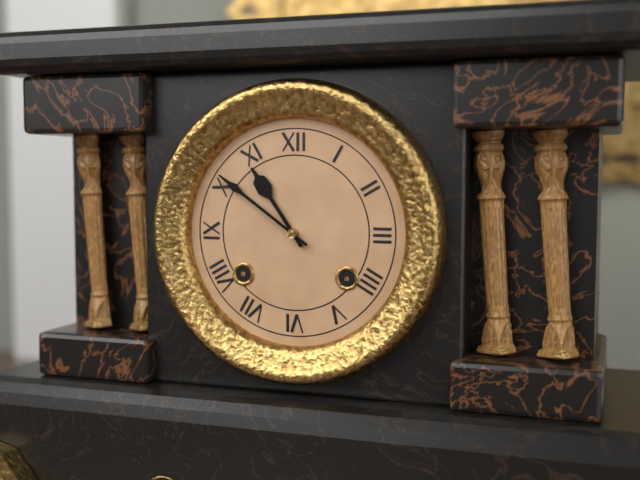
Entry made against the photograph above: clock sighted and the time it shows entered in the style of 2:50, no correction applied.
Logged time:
10:51
